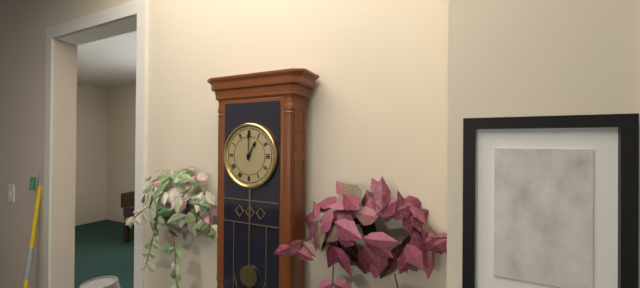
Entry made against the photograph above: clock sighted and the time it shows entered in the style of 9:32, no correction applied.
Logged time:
1:00
